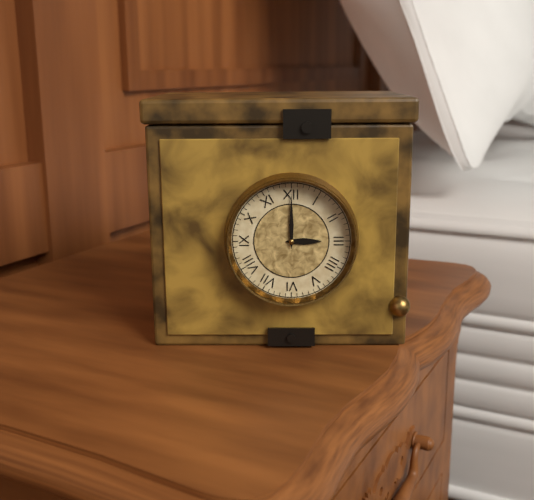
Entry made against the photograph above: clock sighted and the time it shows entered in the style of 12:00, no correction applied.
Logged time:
3:00
